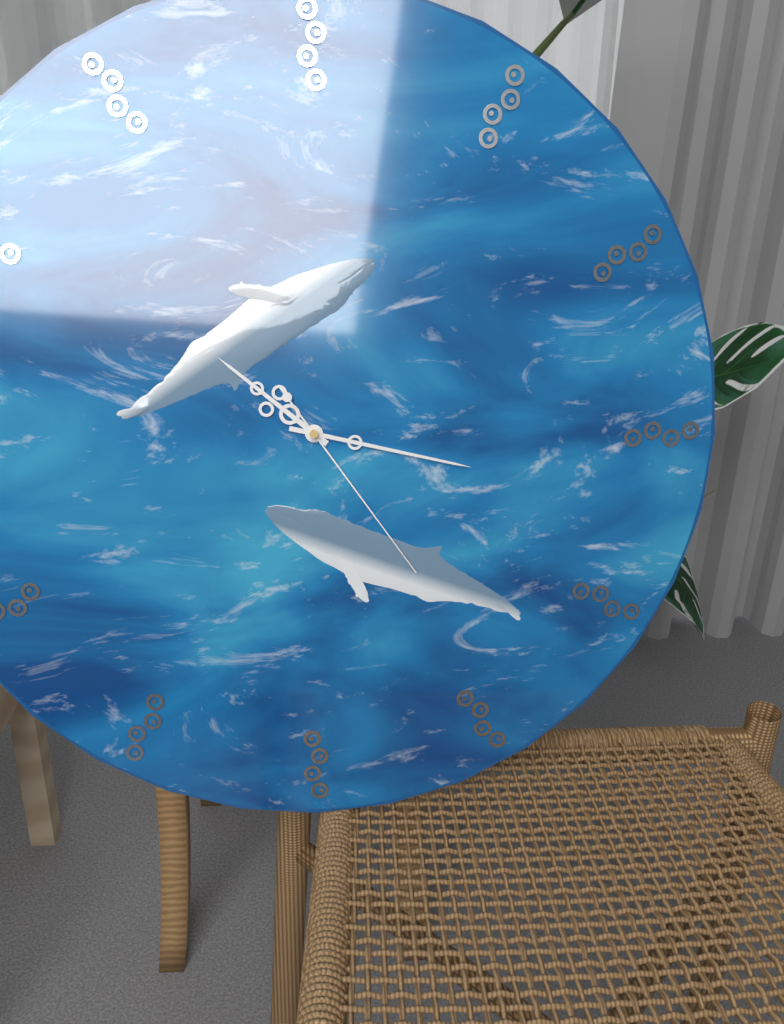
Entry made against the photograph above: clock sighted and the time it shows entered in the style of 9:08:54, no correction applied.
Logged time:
10:17:24
